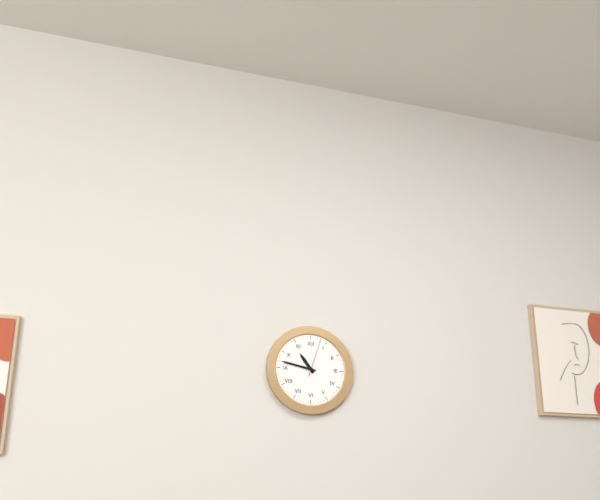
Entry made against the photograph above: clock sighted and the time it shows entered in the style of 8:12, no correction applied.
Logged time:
10:47
